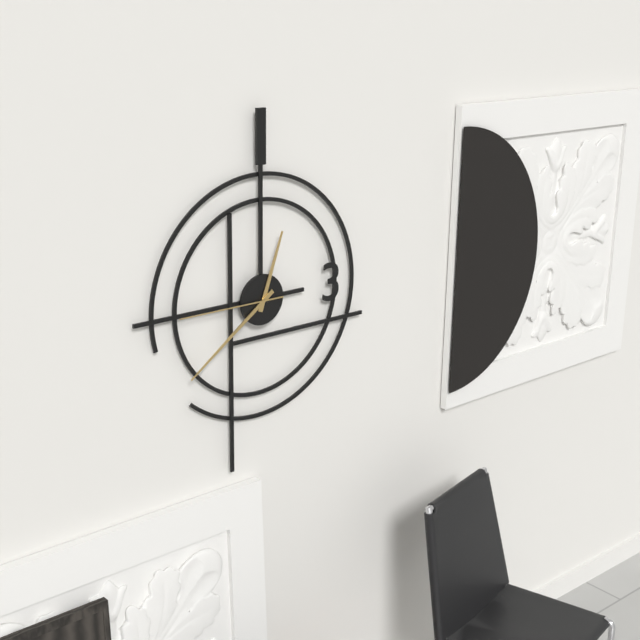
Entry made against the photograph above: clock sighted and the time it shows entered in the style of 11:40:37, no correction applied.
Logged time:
12:39:45
